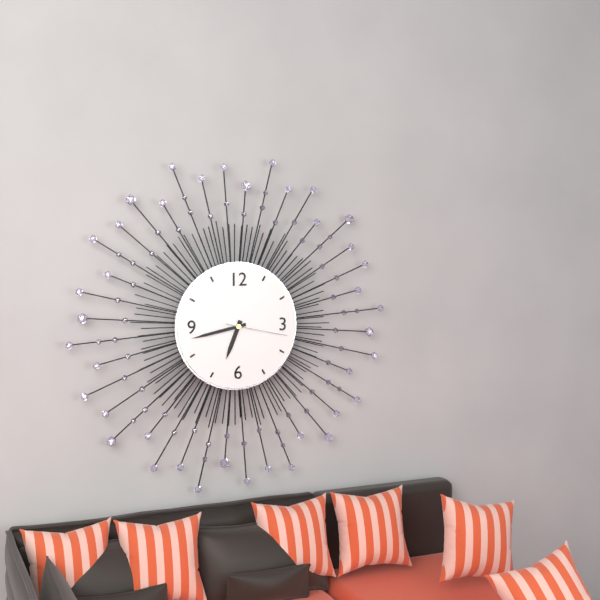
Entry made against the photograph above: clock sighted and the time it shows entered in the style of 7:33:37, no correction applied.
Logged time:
6:43:17
